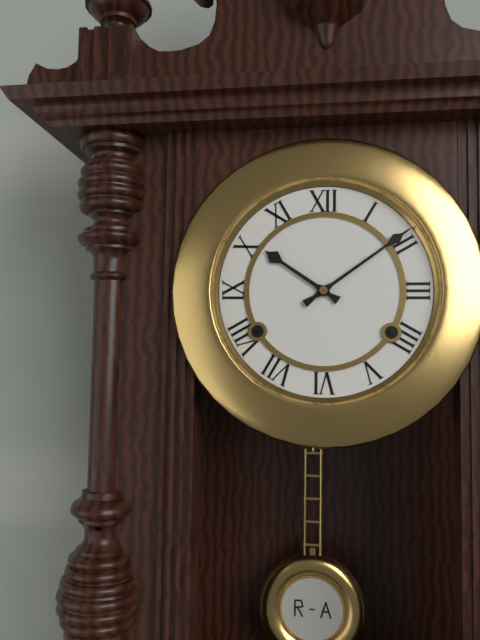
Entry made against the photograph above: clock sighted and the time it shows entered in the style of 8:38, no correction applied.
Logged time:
10:09
